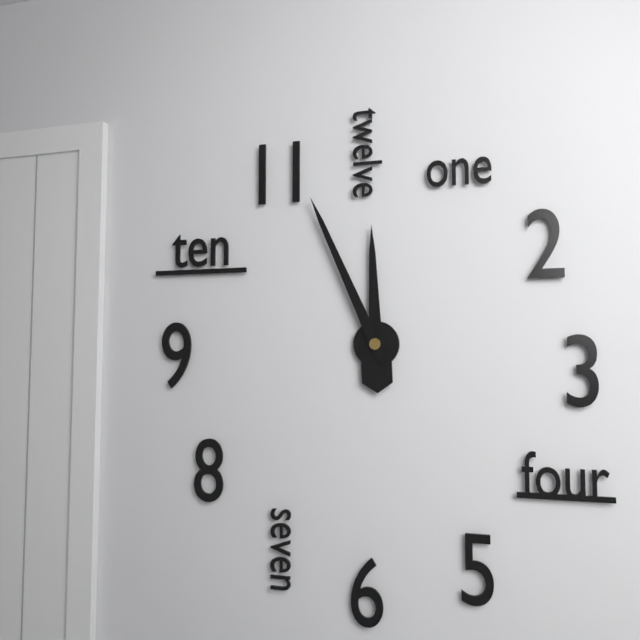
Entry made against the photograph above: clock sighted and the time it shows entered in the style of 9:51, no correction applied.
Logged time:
11:56
